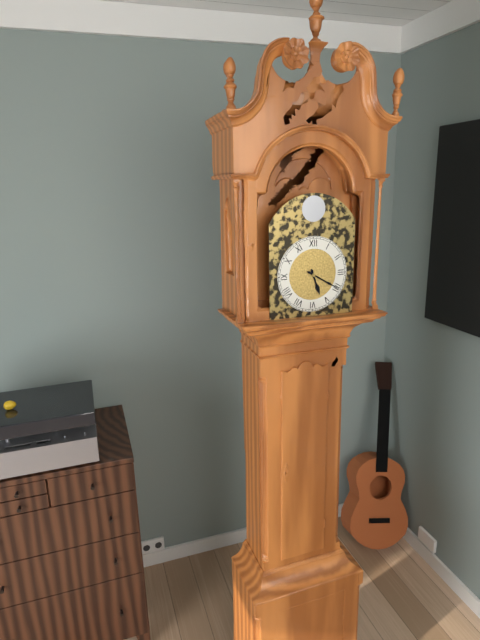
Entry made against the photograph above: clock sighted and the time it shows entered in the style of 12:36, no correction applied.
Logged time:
5:20
